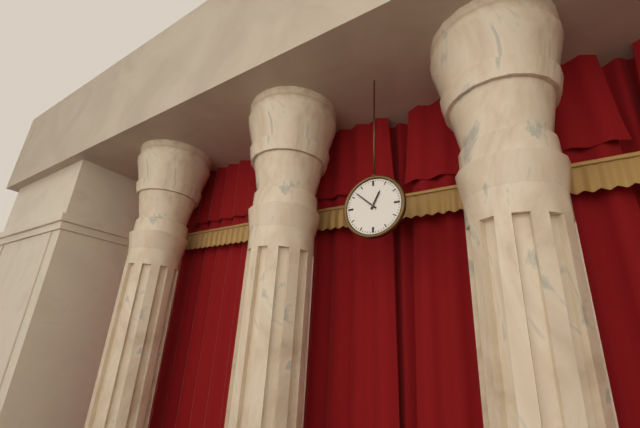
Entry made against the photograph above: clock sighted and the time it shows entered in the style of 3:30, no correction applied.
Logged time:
12:52
